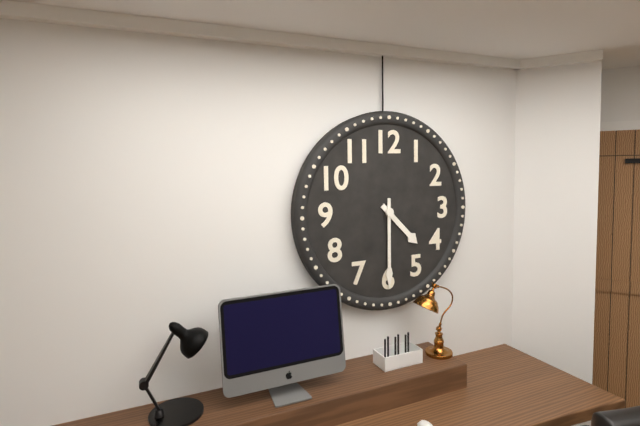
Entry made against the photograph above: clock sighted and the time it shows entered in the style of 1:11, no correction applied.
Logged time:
4:30
